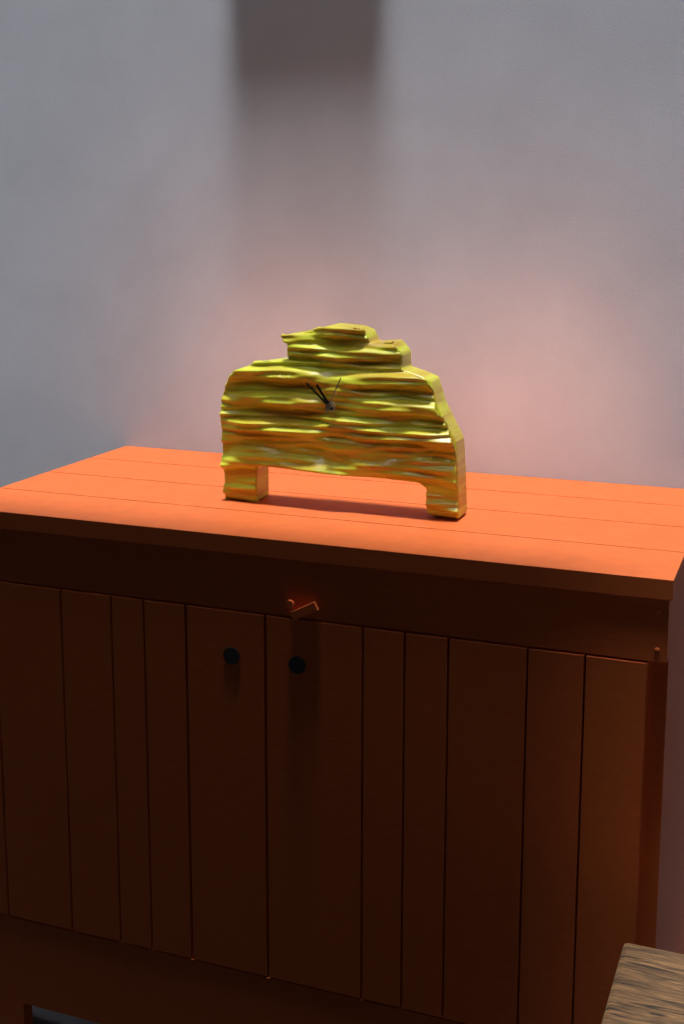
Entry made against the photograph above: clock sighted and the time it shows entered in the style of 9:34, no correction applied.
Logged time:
10:52
